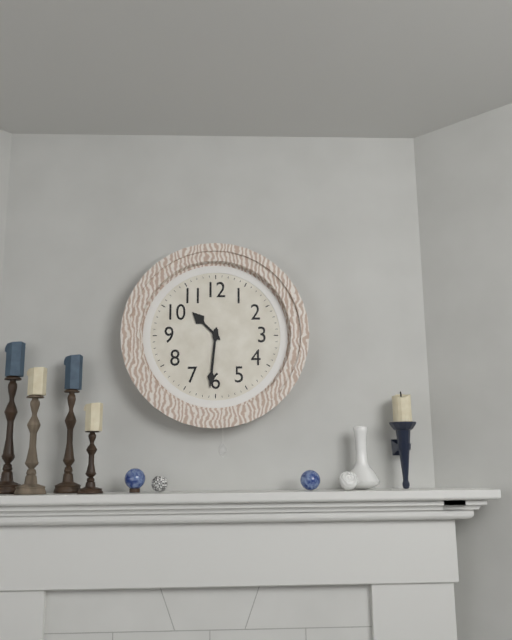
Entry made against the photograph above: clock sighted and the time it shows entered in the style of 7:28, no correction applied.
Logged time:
10:31
